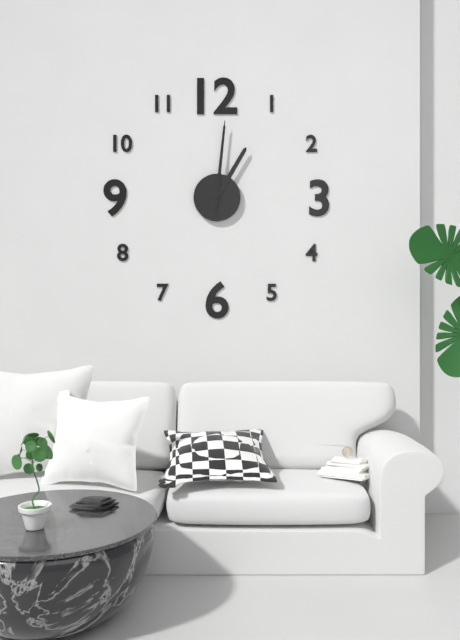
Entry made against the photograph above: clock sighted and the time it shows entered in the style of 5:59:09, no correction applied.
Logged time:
1:01:01
